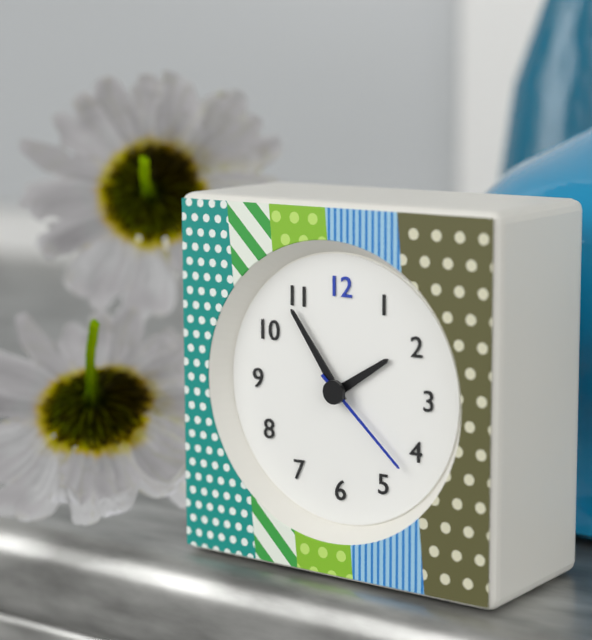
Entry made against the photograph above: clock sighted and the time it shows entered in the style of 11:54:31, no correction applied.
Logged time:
1:54:22
